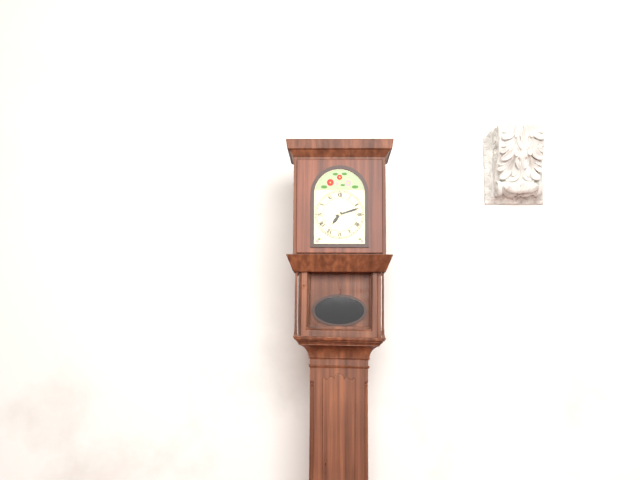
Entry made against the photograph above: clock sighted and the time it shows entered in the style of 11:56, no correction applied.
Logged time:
7:12
